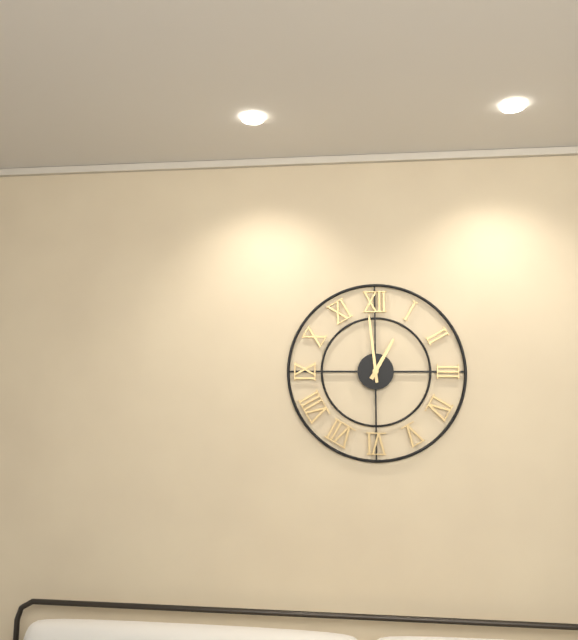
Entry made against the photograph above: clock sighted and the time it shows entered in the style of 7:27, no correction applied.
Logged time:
12:59
